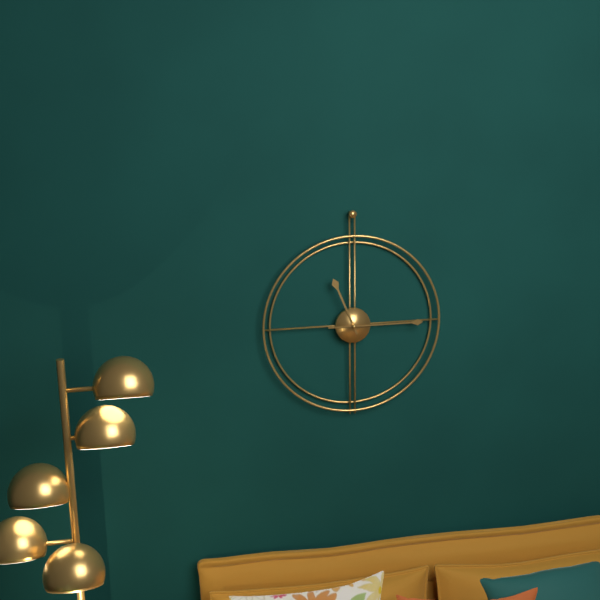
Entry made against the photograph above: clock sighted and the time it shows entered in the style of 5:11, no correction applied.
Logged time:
11:15
